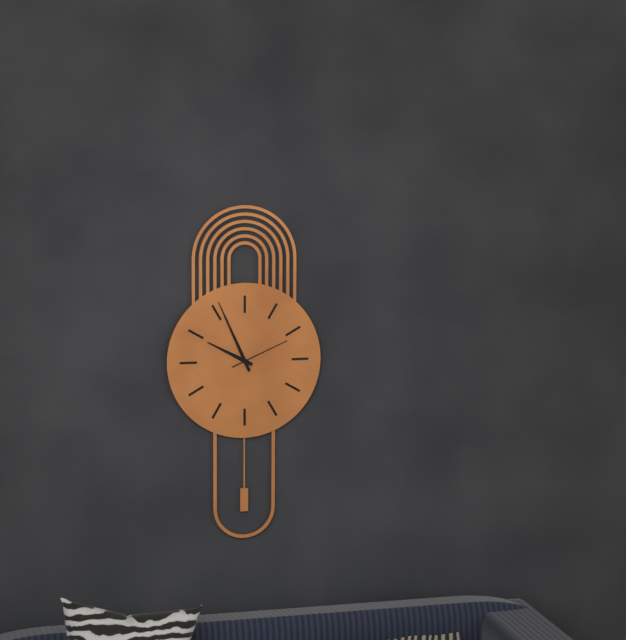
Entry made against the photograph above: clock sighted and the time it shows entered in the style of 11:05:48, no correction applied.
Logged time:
9:56:11
